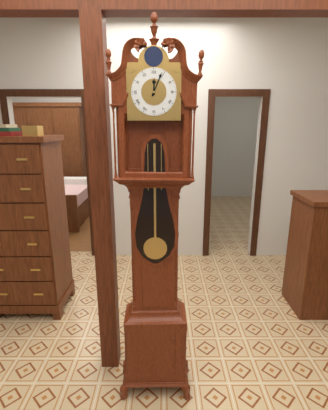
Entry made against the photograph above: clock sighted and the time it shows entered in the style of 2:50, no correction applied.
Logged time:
12:04
